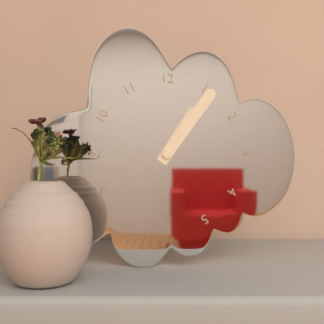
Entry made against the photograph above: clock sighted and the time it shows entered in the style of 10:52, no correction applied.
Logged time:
1:06
